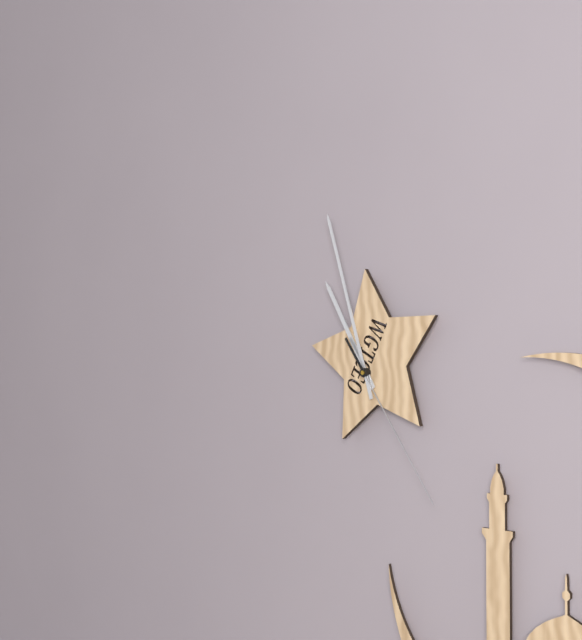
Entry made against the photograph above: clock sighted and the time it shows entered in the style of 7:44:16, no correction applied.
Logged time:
10:57:24
